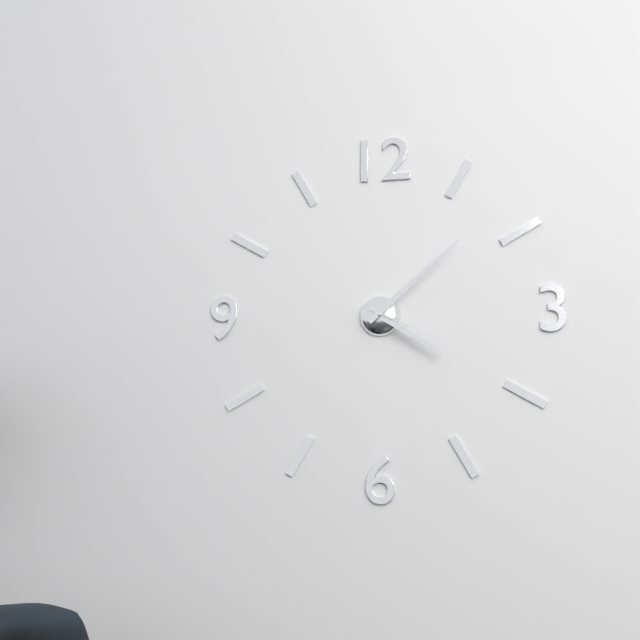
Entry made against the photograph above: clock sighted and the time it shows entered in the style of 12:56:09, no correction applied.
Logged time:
4:08:19
